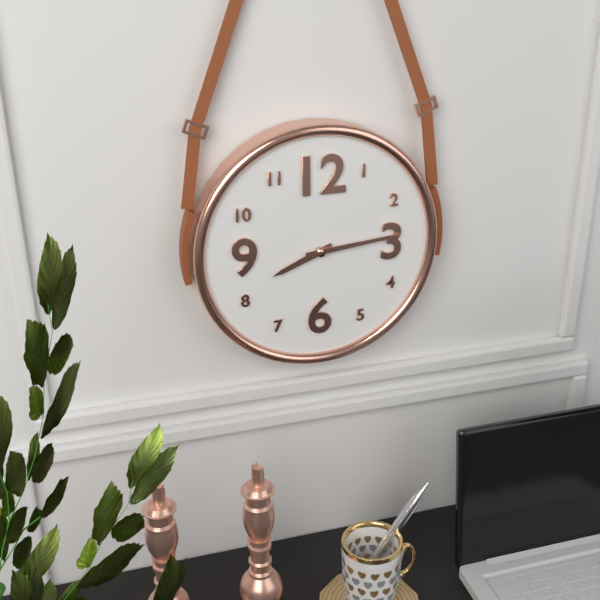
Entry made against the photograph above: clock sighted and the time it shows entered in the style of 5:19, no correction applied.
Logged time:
8:14
